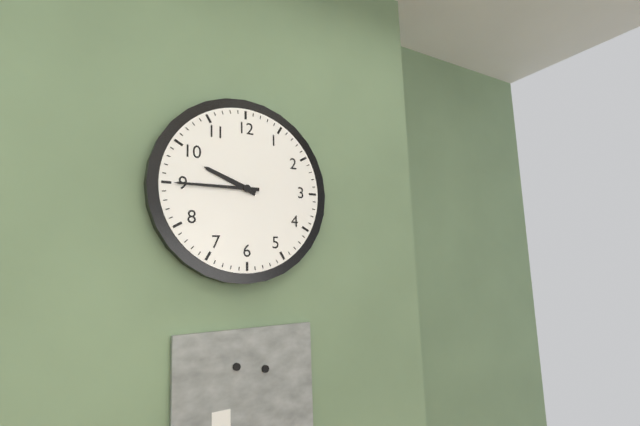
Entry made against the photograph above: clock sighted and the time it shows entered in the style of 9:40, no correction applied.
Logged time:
9:45
